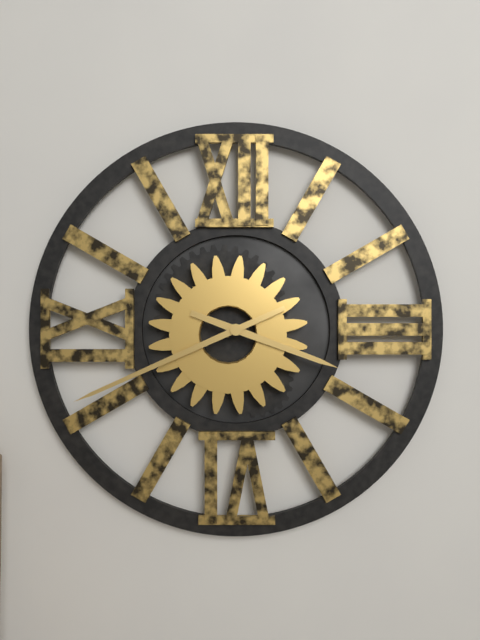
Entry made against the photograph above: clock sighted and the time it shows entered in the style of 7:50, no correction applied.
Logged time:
3:41
